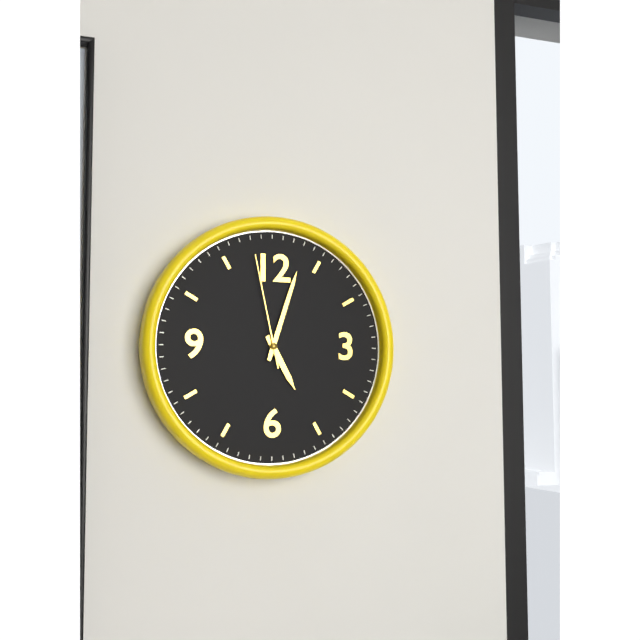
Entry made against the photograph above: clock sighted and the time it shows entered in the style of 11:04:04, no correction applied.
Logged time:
5:03:58
